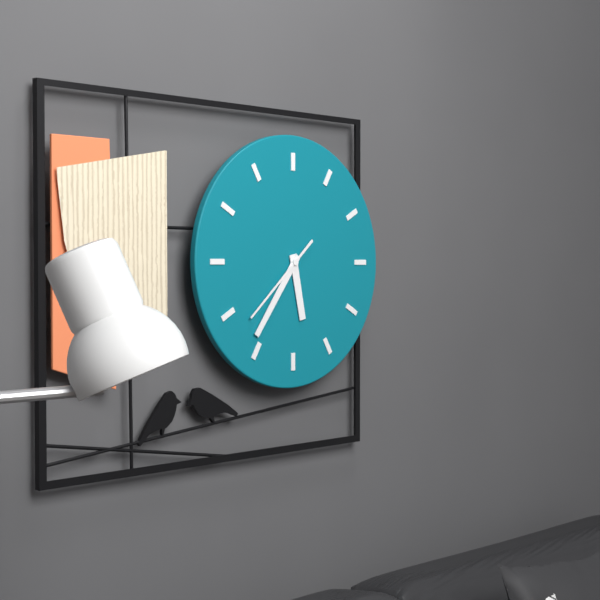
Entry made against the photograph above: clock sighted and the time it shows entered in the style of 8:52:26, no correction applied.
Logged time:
5:36:38
